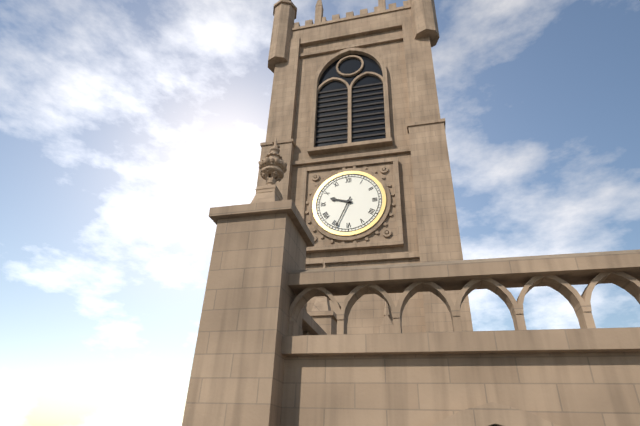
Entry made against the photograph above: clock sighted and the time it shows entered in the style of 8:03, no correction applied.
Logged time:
9:34
